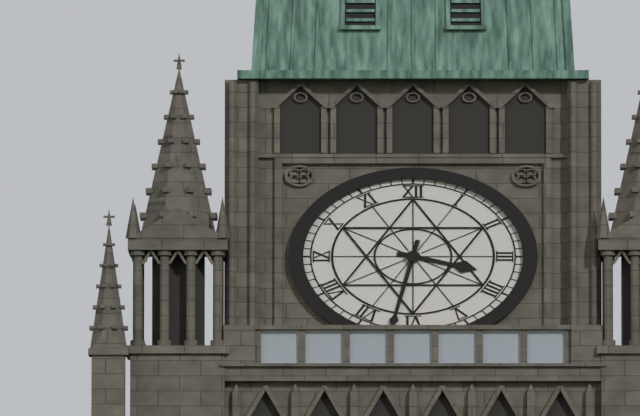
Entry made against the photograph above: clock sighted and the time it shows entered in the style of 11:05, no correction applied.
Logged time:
3:32
